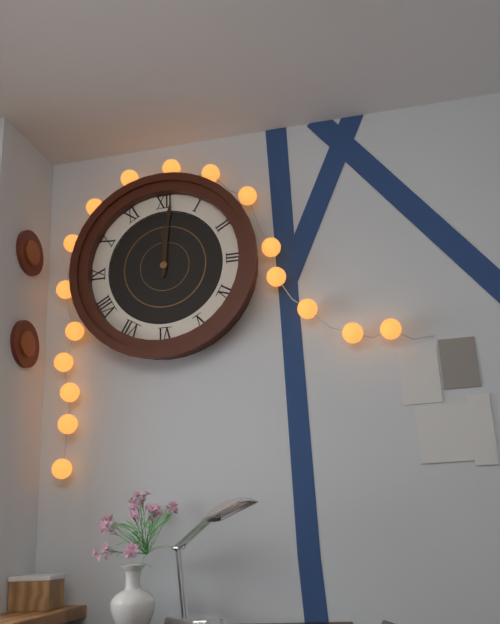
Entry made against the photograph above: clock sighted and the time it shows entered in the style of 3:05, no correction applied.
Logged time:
12:01
